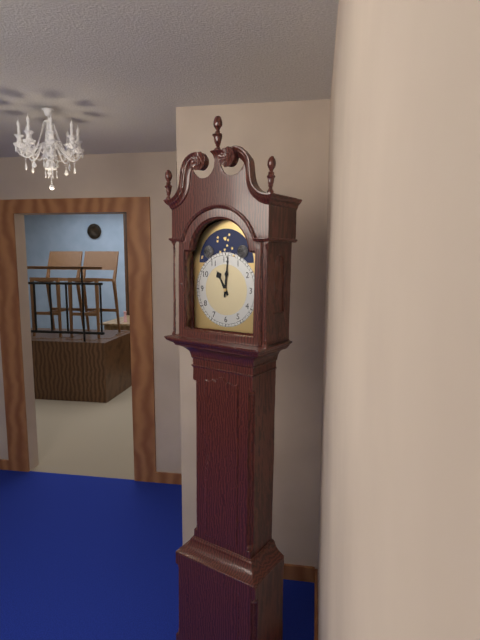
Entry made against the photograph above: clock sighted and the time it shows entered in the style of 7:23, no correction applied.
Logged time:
11:01
